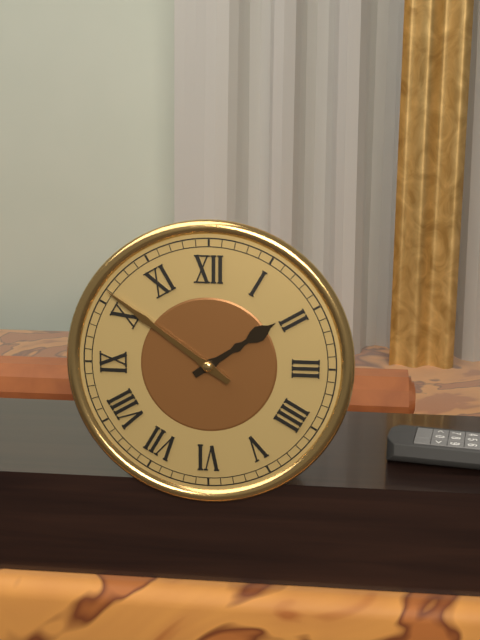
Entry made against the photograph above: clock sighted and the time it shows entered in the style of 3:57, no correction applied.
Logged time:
1:51
